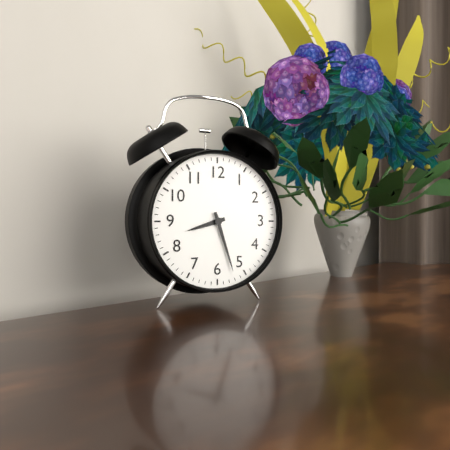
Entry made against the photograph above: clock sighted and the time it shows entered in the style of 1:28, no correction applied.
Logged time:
8:27
